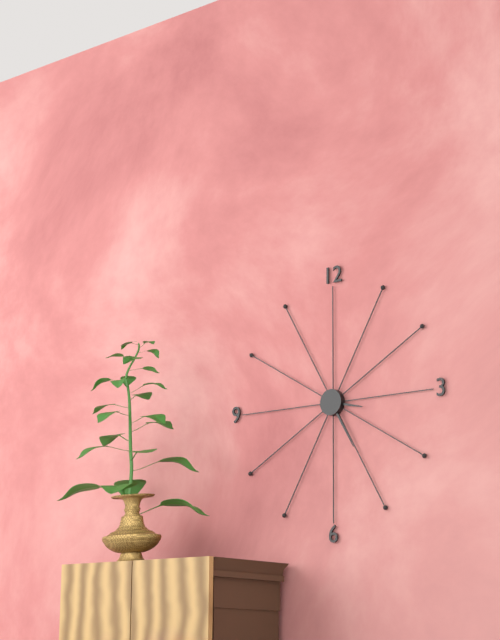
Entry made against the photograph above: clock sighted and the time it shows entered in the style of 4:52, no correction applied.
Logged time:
3:25
